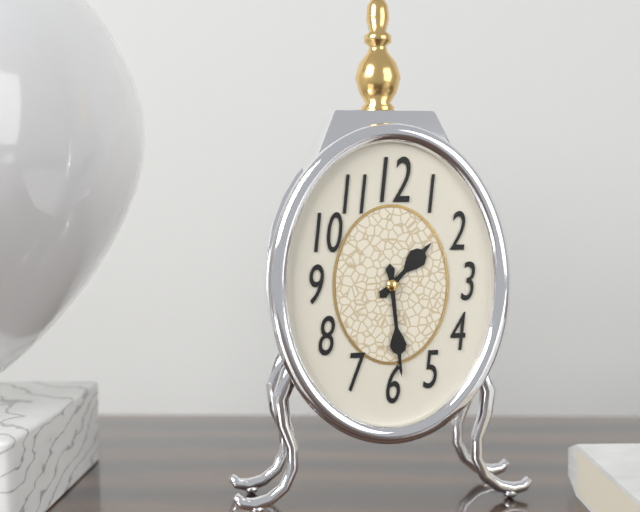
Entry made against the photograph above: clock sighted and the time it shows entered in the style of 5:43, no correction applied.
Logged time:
1:29
